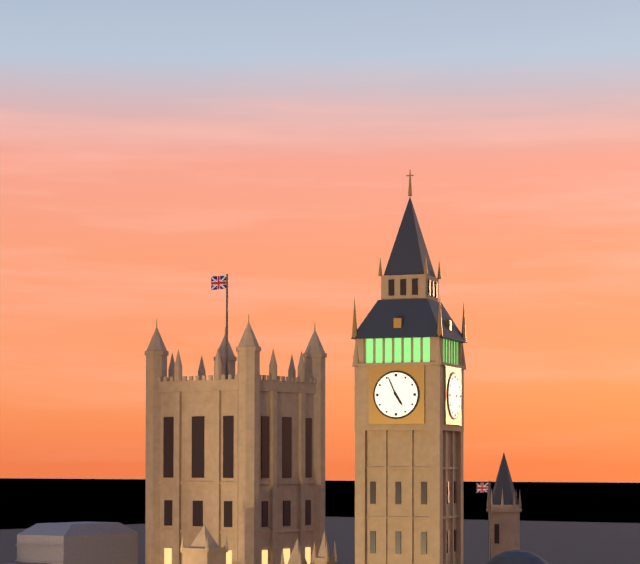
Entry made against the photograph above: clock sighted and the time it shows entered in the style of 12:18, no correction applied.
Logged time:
4:56
